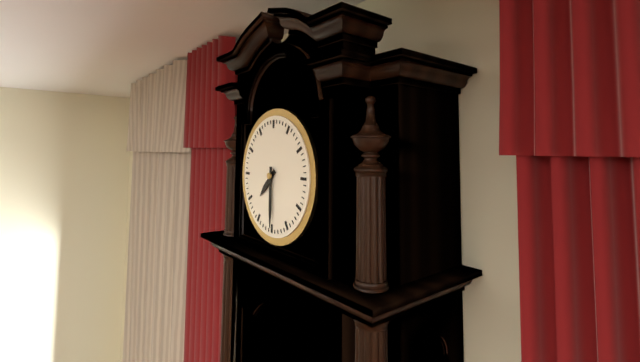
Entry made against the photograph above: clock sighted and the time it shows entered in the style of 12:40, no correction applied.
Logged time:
7:30
